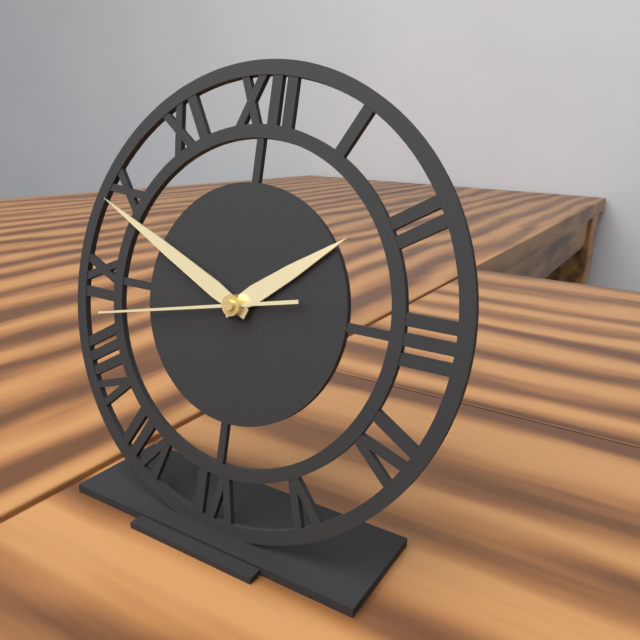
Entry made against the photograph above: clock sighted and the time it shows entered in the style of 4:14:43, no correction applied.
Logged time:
1:49:43
